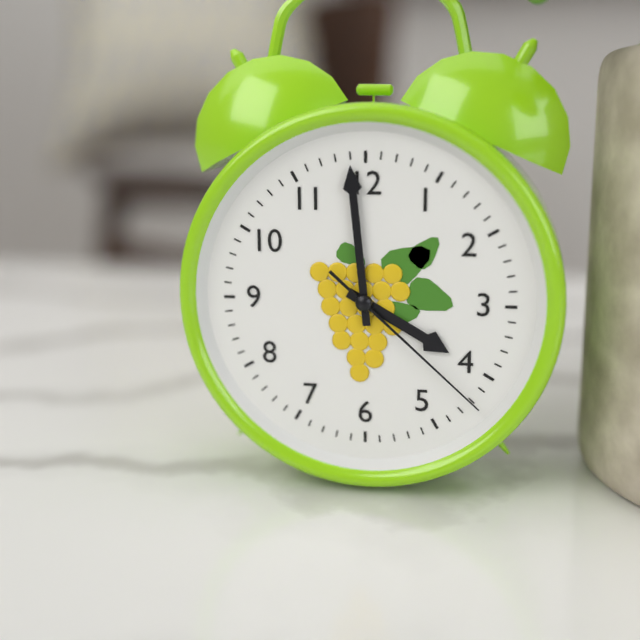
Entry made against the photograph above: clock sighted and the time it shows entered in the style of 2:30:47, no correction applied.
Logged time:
3:59:22
